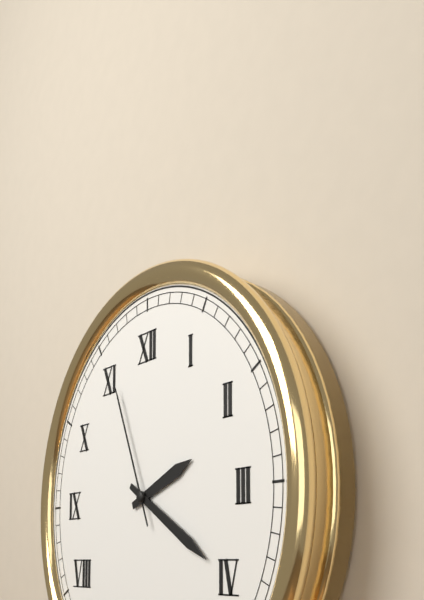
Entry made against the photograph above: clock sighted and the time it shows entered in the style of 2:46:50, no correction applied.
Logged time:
2:20:56
